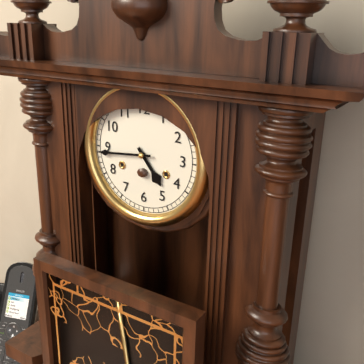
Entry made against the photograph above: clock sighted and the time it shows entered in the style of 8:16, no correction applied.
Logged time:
4:44
